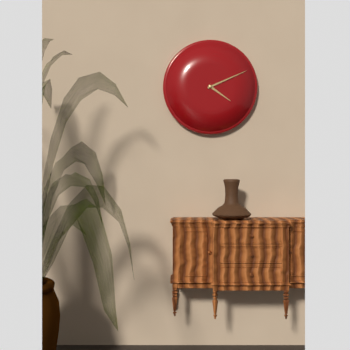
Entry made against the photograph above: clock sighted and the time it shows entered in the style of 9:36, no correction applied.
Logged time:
4:11
